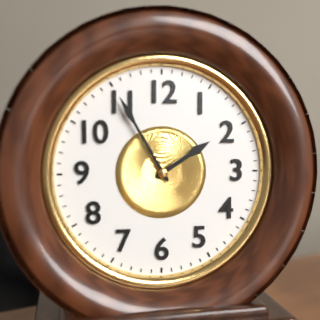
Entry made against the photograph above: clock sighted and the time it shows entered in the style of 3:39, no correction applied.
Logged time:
1:55
